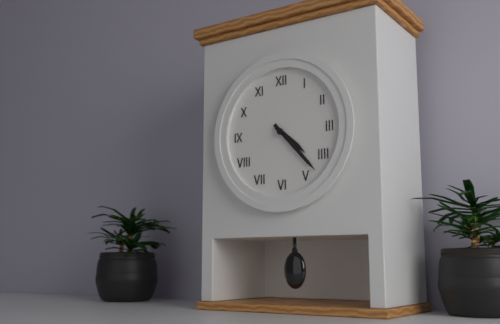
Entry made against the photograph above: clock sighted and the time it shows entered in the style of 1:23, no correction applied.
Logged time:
4:23
